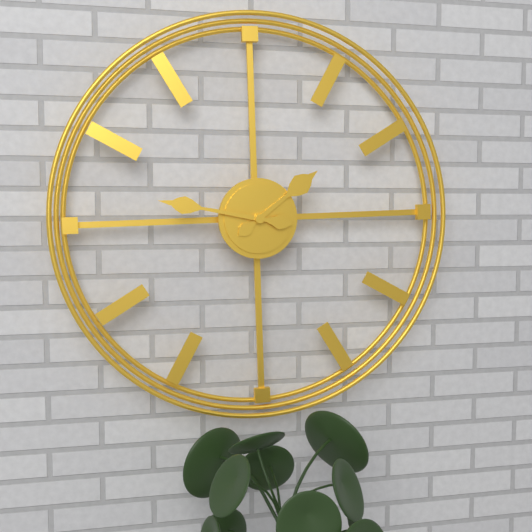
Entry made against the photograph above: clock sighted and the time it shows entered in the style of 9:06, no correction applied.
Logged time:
1:47
